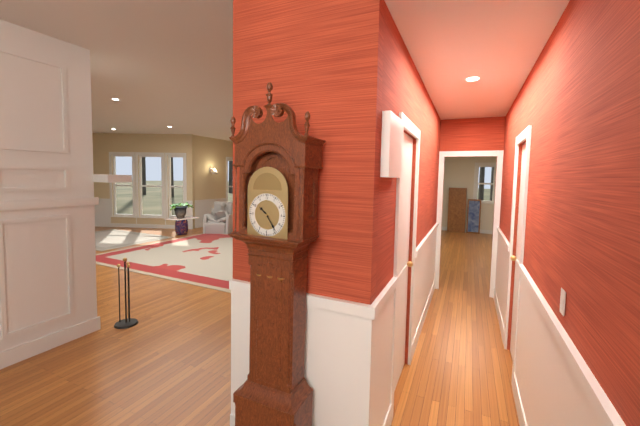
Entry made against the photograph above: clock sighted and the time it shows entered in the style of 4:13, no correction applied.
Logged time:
10:24
